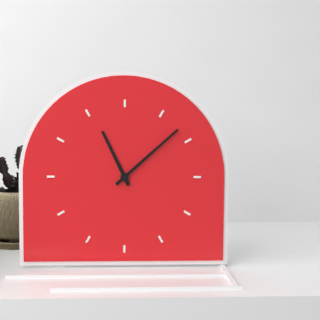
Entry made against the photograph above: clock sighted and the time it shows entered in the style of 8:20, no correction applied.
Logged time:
11:08
